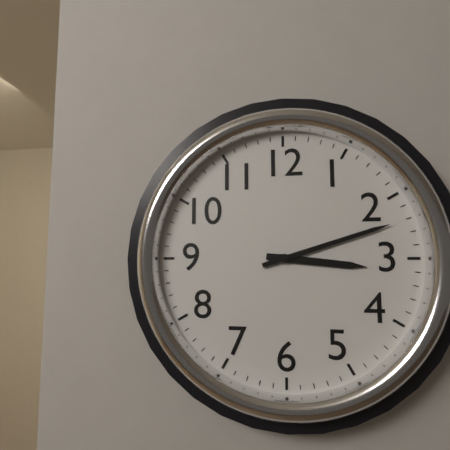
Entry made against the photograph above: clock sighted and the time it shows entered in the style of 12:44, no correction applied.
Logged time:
3:12
